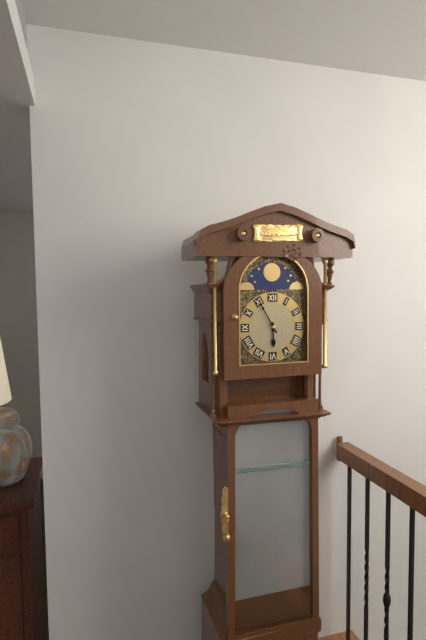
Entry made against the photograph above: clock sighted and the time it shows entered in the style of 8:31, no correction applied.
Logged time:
5:55
